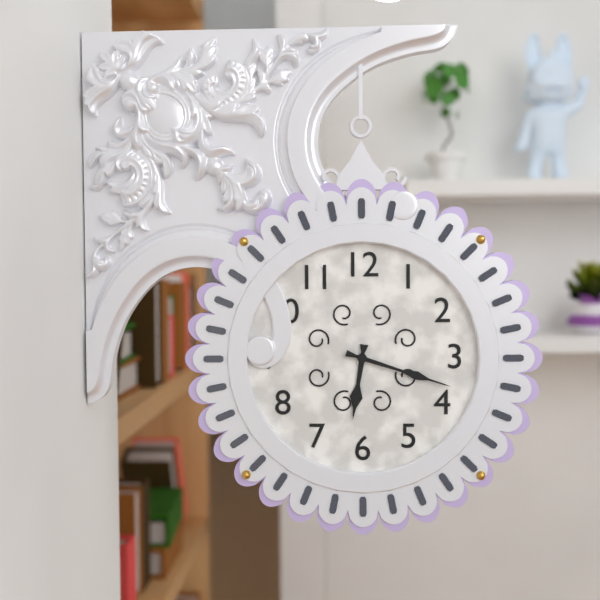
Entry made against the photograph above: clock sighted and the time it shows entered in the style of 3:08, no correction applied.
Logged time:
6:18
